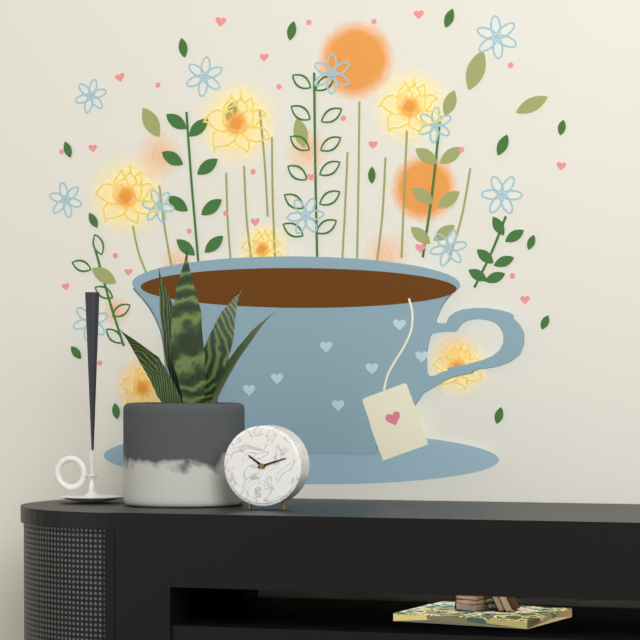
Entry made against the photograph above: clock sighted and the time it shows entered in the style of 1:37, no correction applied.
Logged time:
10:12
